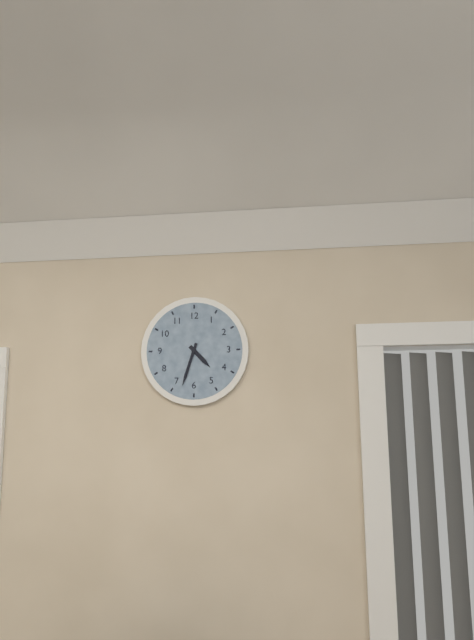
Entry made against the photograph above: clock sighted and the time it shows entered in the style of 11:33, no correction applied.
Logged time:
4:33
